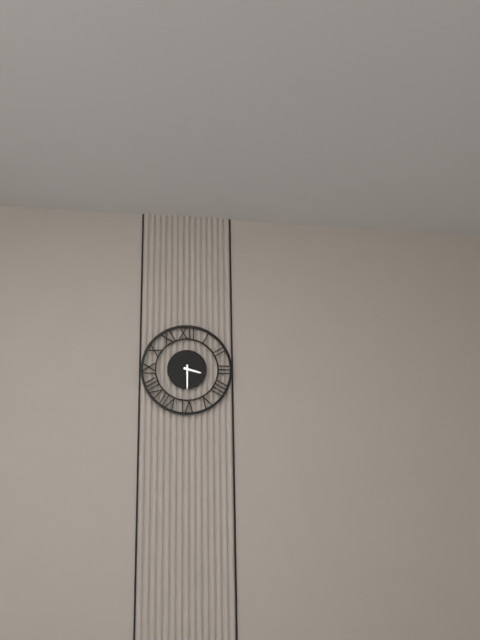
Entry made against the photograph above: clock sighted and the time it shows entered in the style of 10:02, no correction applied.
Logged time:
3:30
